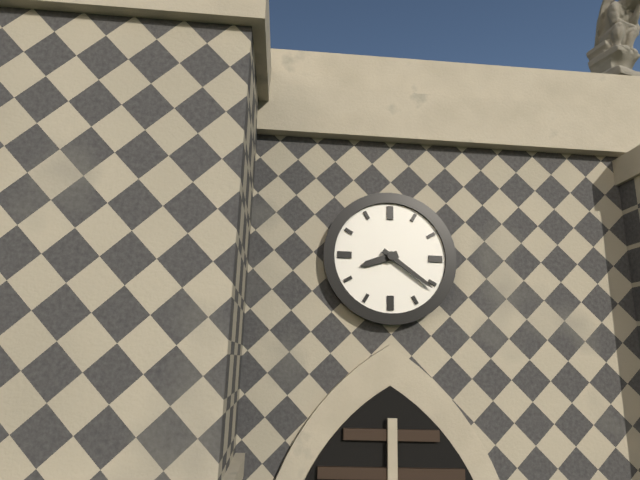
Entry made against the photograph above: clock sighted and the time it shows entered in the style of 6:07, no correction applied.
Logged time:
8:21
